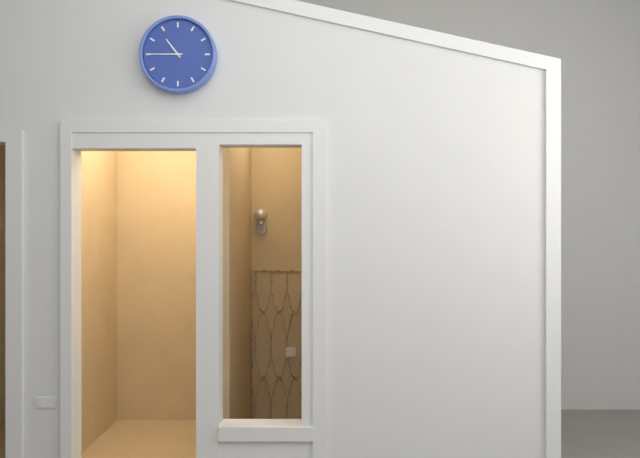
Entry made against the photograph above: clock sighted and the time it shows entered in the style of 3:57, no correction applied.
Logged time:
10:45
